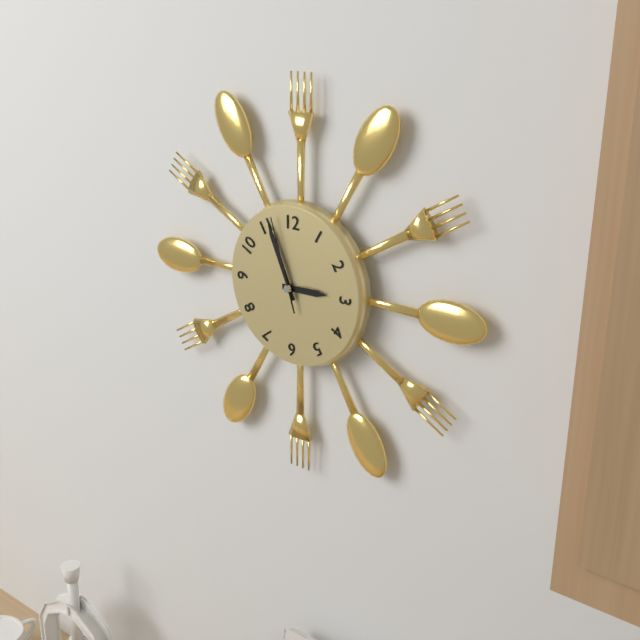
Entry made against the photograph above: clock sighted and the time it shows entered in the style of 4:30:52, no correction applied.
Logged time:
2:56:57
